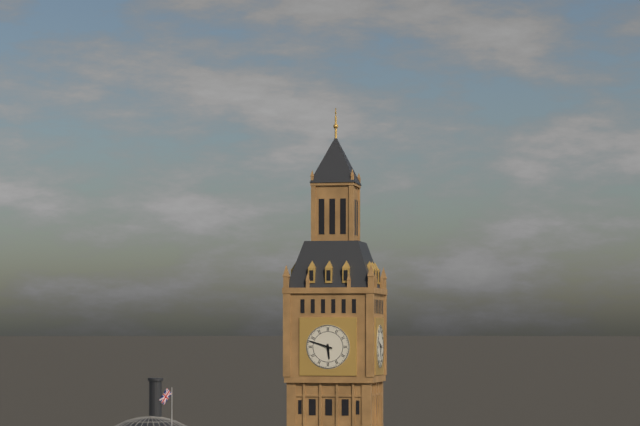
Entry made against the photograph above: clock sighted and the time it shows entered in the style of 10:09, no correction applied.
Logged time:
5:48
